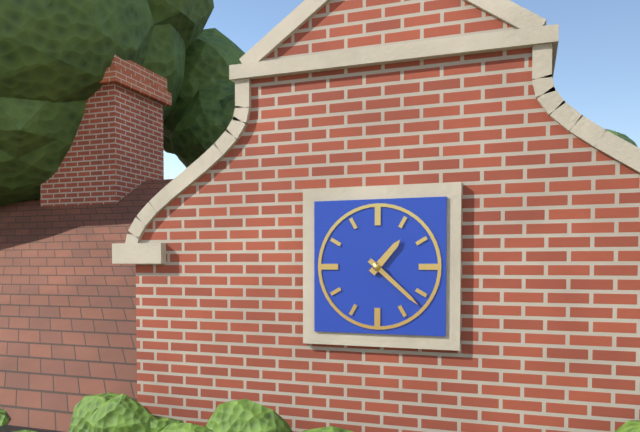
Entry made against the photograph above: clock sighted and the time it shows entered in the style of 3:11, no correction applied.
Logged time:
1:22
